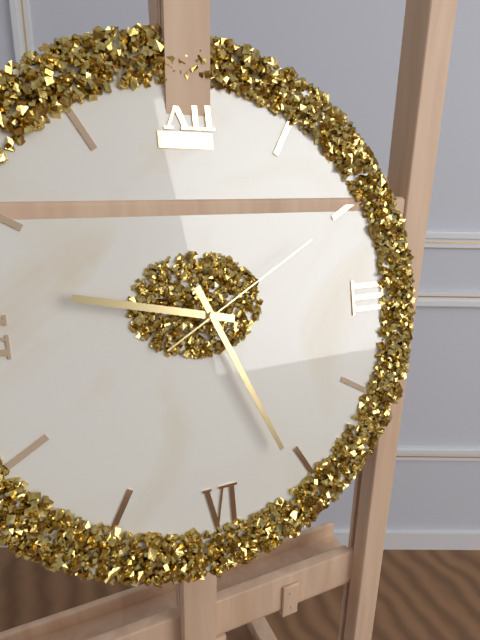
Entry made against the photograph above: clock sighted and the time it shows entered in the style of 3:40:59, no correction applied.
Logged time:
9:26:10
